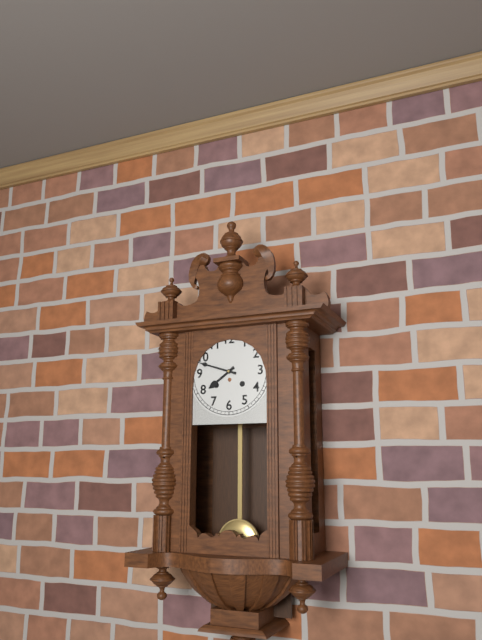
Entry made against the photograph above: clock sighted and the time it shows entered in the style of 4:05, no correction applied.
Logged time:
7:48
